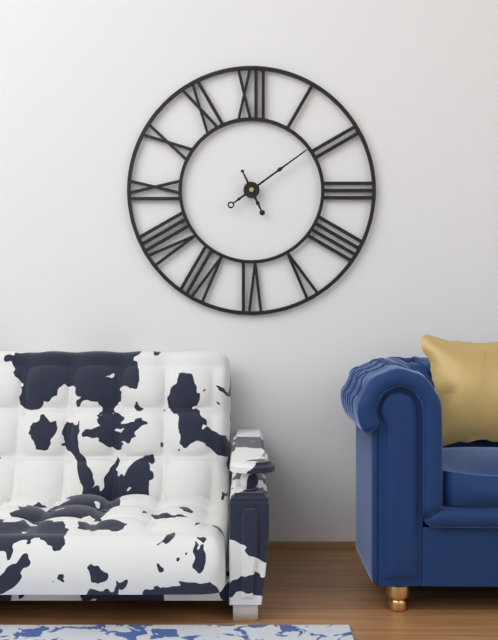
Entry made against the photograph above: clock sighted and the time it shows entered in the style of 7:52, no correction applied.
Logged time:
5:09
